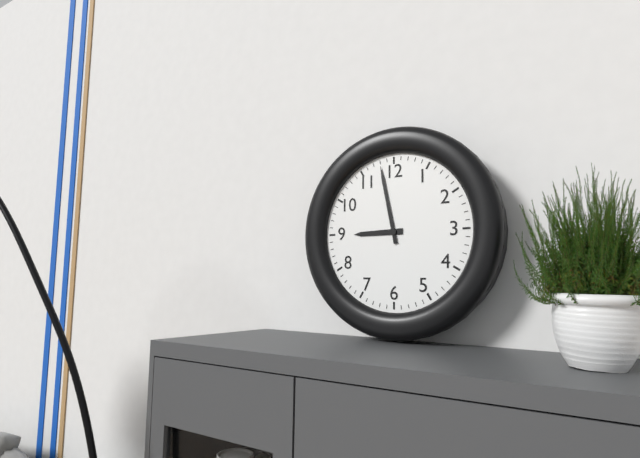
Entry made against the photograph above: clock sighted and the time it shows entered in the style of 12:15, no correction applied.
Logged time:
8:58
